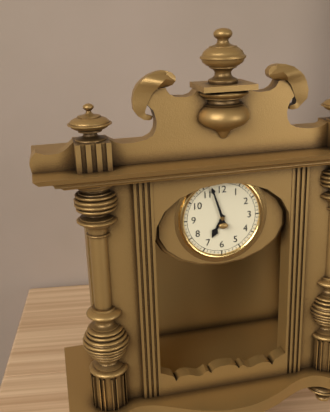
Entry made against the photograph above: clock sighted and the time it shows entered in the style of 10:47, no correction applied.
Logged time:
6:57
